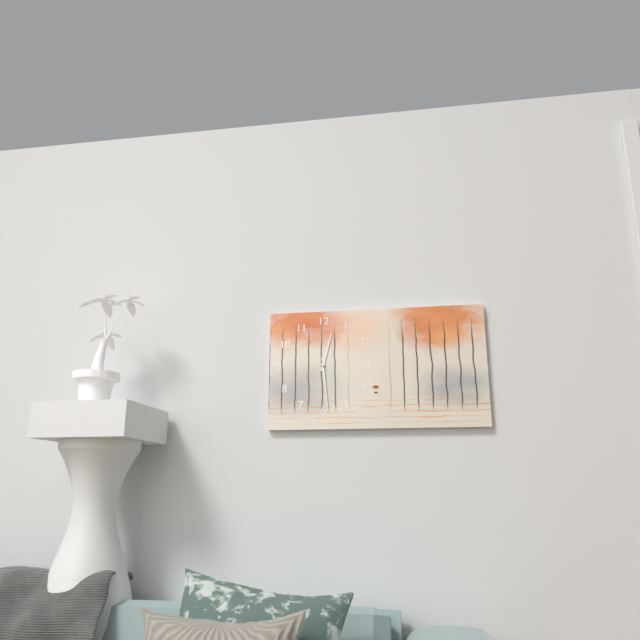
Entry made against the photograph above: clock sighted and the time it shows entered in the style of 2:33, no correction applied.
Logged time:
12:29
